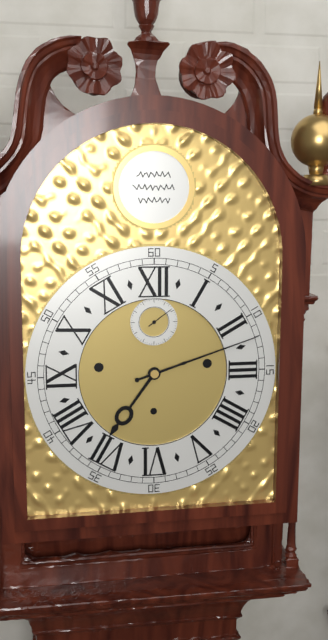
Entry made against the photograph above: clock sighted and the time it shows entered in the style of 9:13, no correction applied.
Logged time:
7:12
